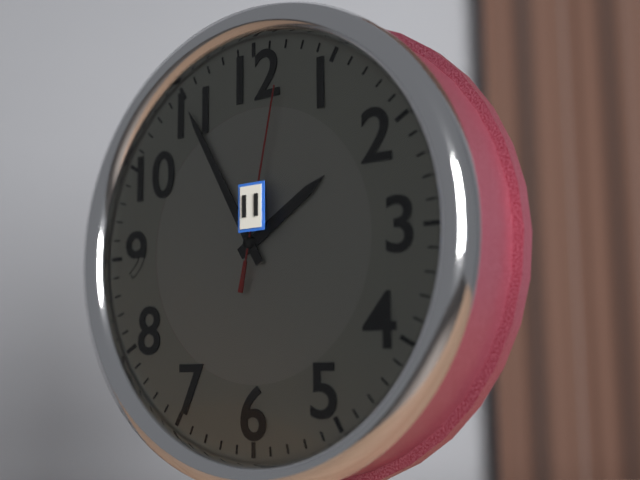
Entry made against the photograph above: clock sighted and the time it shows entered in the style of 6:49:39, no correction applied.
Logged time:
1:55:02
